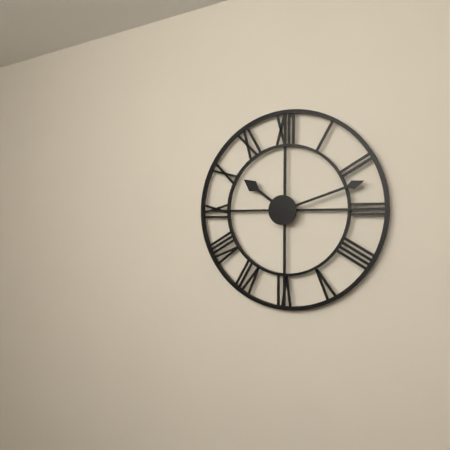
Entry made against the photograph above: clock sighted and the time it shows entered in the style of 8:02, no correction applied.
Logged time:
10:12
